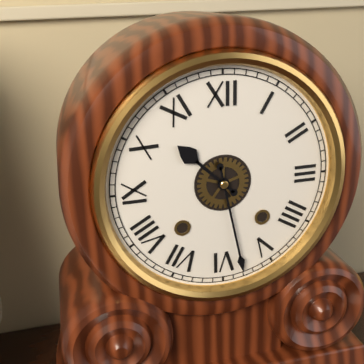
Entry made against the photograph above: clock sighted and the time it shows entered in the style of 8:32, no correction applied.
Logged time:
10:28
